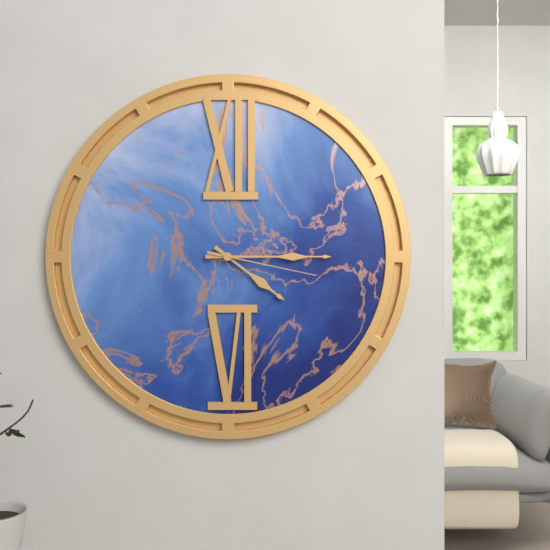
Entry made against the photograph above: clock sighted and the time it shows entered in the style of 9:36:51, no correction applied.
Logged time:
4:15:17
